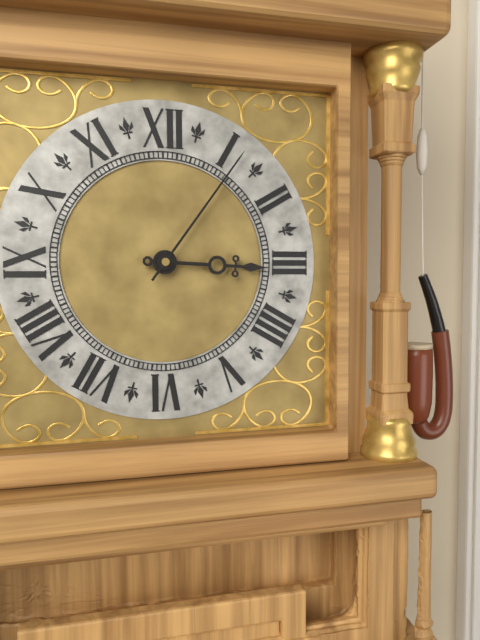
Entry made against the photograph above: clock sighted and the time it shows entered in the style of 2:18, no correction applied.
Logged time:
3:06
